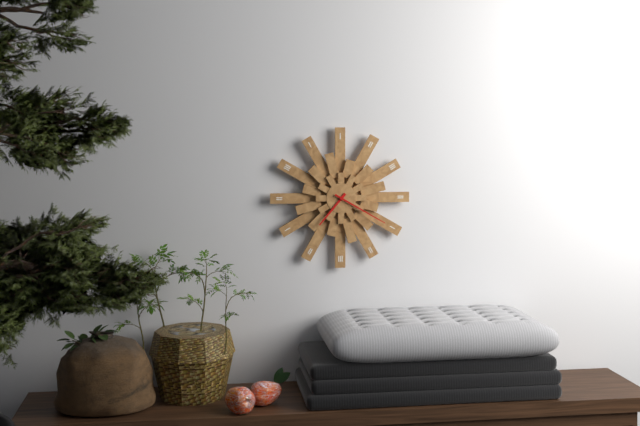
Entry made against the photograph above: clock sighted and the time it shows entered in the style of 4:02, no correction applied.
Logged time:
7:20
